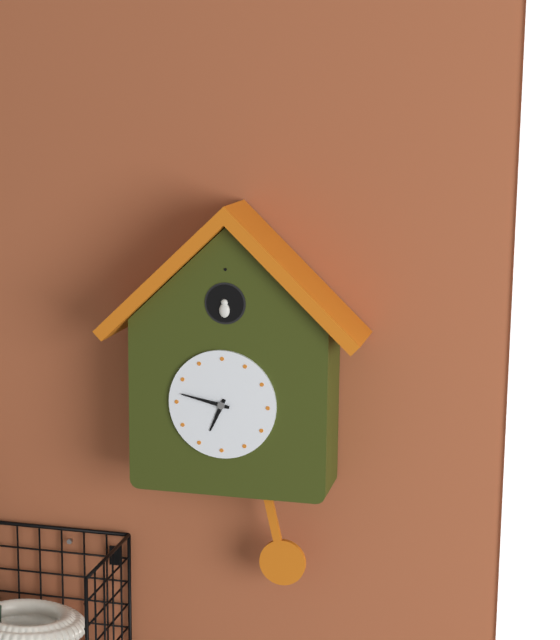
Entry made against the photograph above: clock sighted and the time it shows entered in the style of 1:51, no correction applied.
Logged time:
6:47
